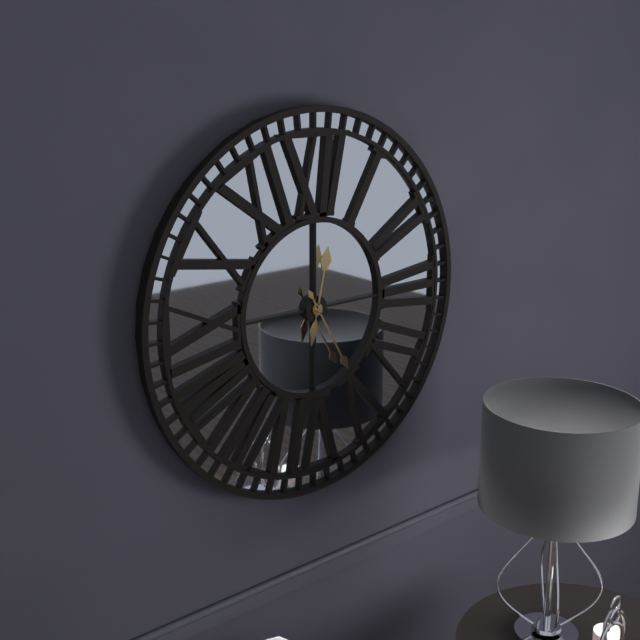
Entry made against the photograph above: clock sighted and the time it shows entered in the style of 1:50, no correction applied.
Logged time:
12:25
